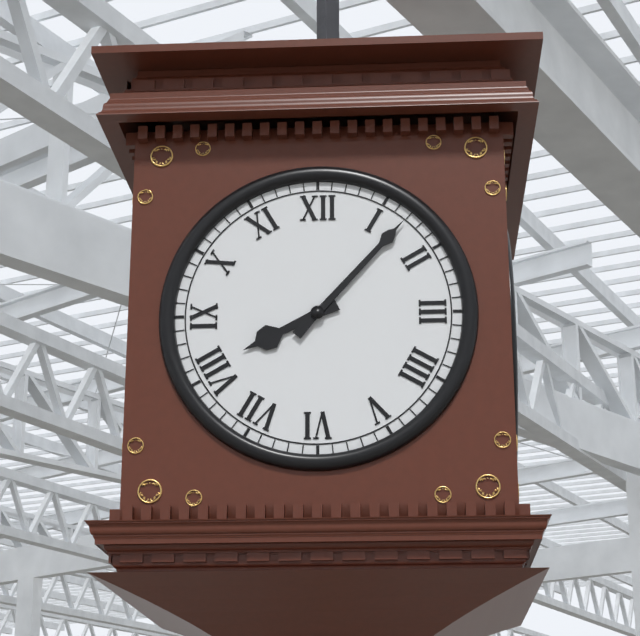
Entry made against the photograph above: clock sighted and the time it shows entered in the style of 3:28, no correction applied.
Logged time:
8:07
